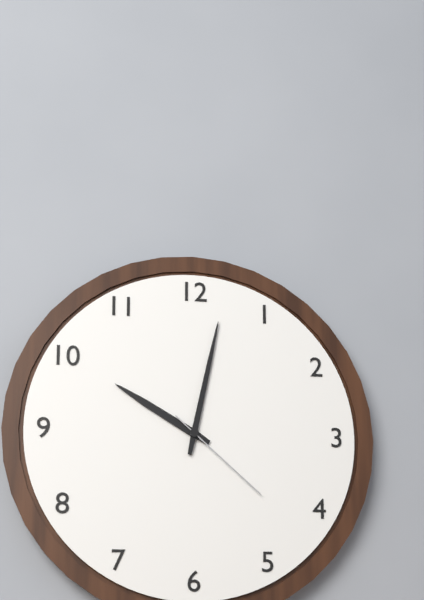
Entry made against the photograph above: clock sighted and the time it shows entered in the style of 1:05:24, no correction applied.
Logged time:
10:02:22
